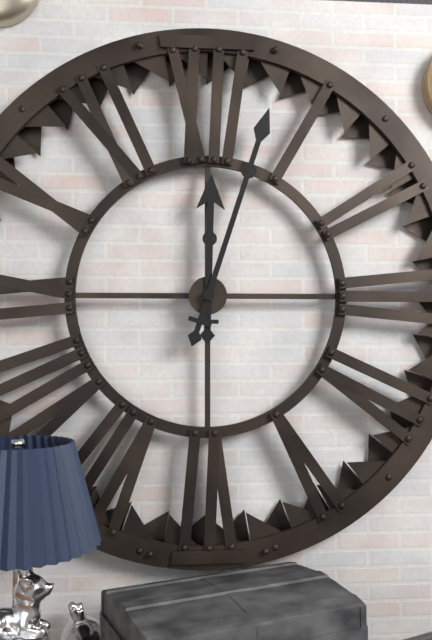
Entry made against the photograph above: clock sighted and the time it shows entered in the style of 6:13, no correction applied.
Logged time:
12:03
